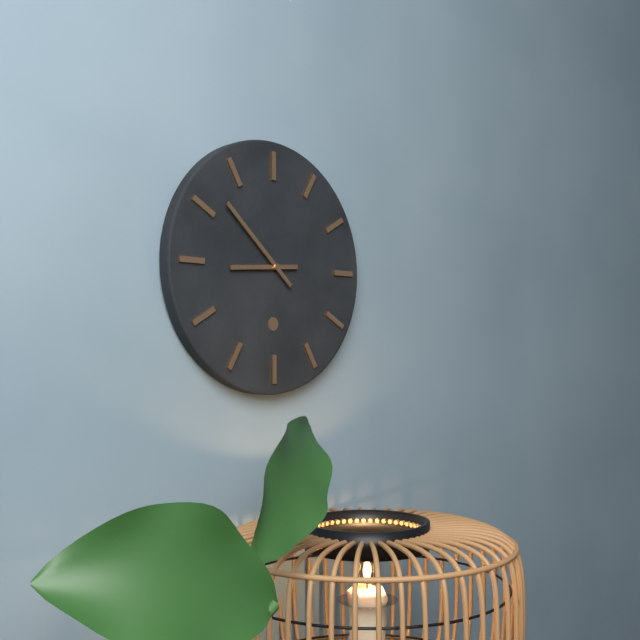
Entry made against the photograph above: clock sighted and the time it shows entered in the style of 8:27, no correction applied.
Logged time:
8:52
